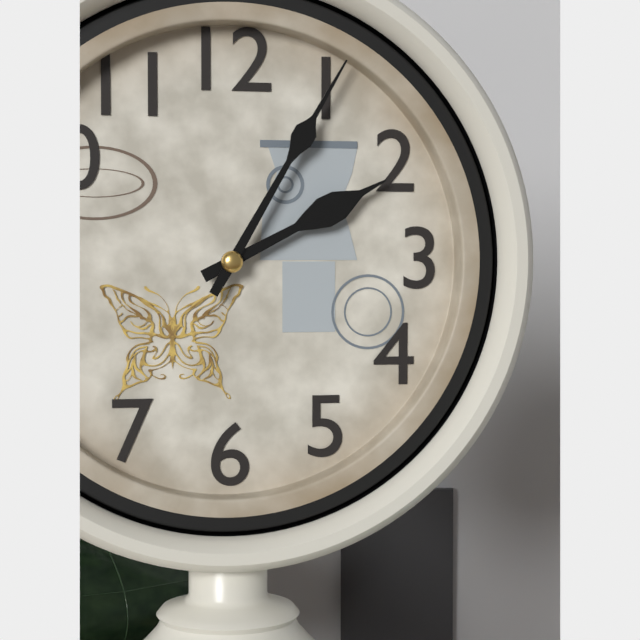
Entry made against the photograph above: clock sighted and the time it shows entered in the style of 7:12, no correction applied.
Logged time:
2:05
